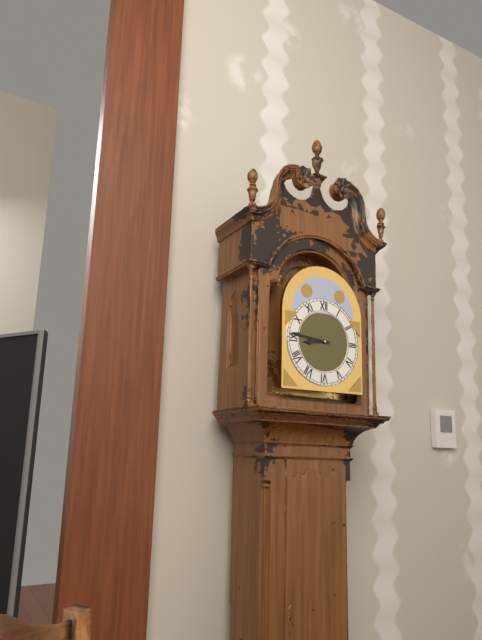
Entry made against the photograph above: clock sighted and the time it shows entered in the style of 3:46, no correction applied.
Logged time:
8:46
